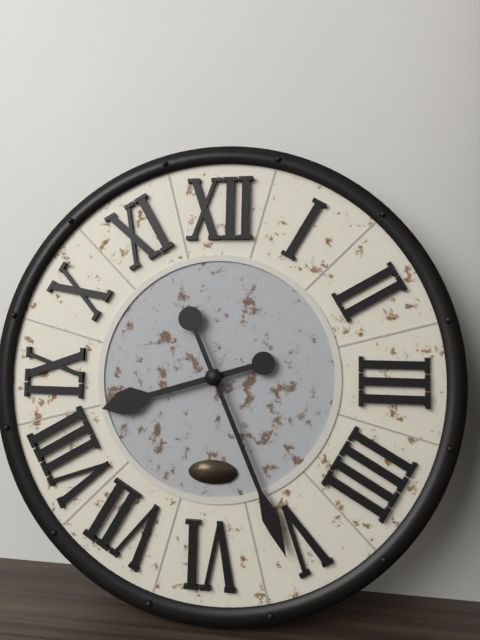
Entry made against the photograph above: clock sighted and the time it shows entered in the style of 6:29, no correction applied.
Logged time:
8:26
